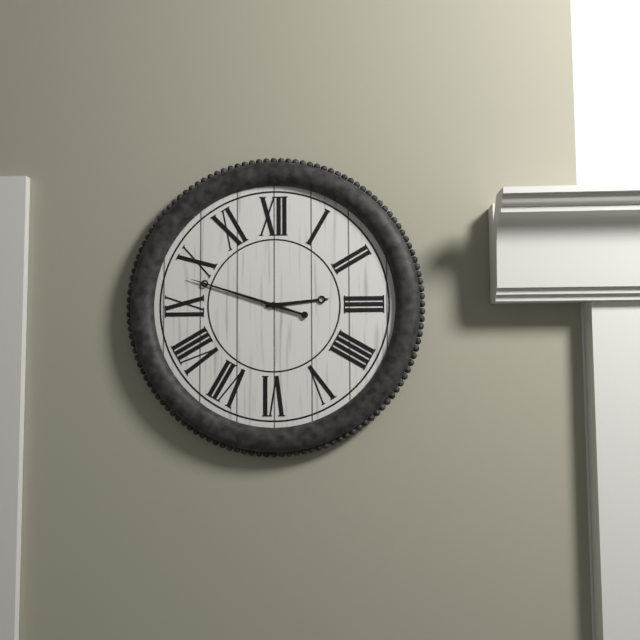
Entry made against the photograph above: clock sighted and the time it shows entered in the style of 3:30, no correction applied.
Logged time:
2:48
